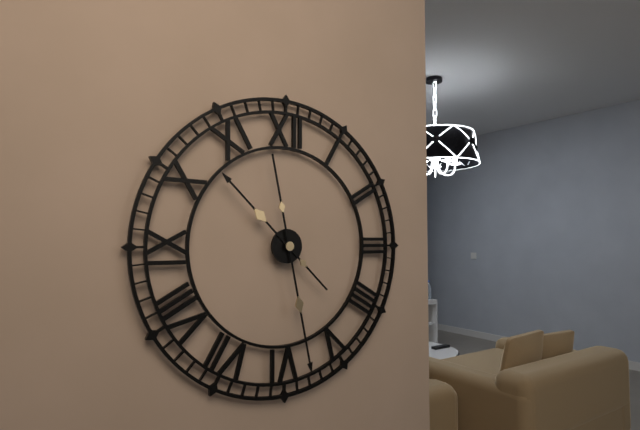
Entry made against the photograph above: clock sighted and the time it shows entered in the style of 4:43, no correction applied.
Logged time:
10:28
